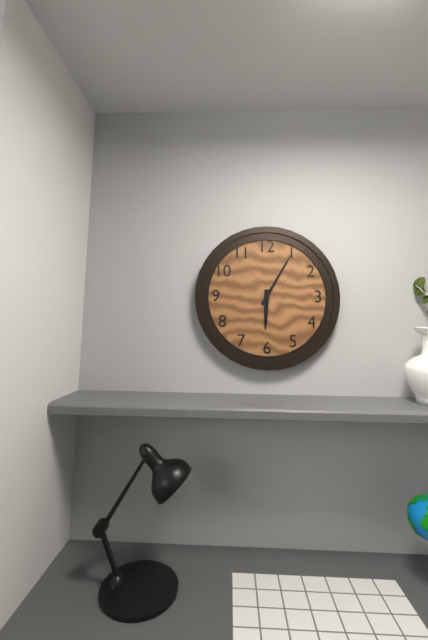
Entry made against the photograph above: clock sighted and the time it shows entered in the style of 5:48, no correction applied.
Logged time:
6:05
